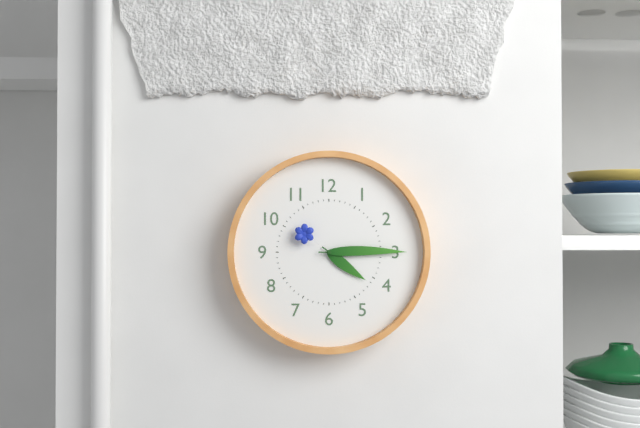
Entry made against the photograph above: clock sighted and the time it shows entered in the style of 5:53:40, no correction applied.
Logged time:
4:15:51
